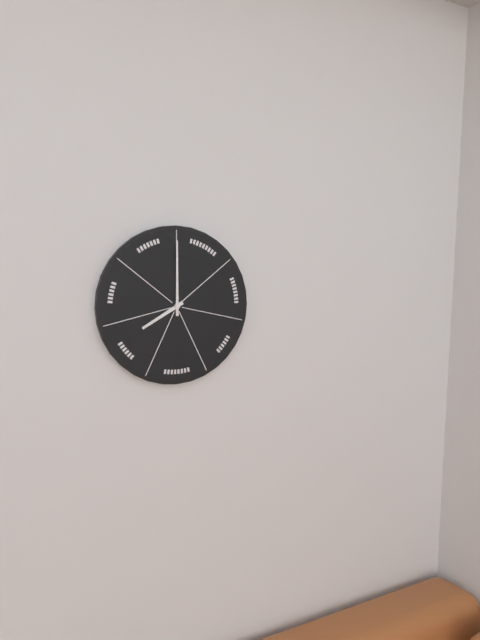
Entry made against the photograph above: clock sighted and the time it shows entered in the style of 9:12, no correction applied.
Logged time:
8:00
